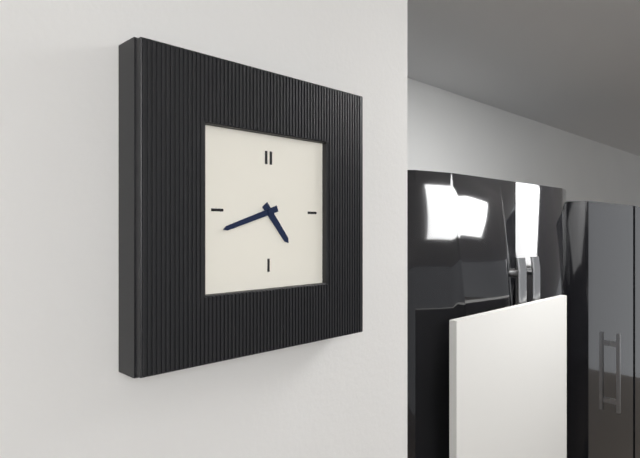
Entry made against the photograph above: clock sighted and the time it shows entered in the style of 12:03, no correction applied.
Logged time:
4:42
